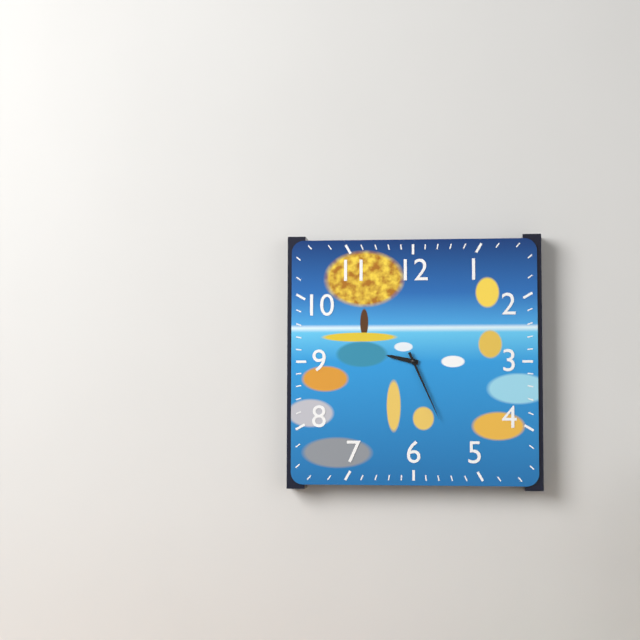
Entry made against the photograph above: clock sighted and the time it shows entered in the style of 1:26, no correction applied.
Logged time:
9:26
